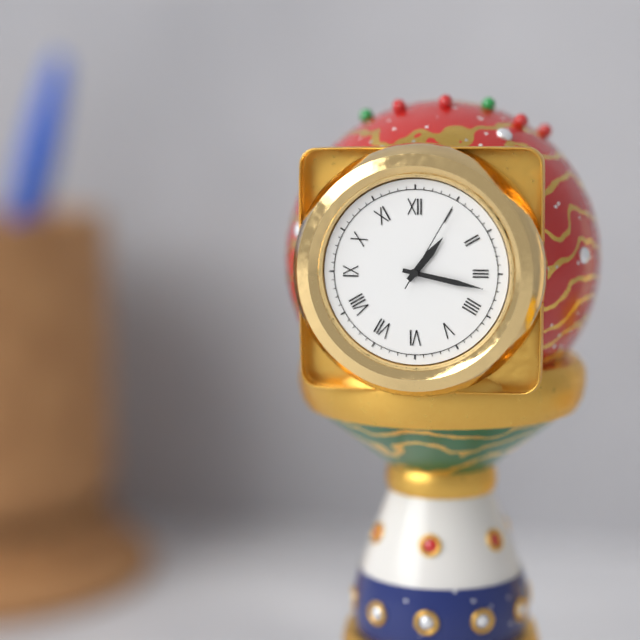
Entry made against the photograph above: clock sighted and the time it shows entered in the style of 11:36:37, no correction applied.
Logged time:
1:17:05
